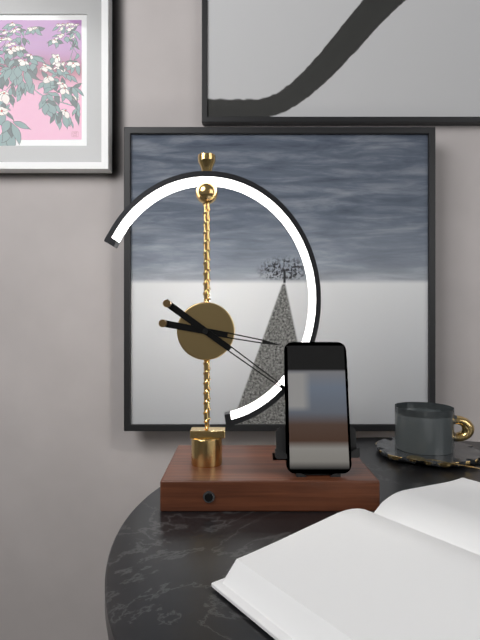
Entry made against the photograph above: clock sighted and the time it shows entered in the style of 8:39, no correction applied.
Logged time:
3:21
